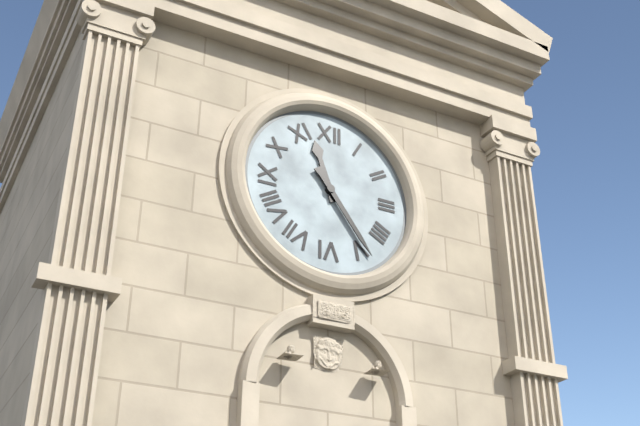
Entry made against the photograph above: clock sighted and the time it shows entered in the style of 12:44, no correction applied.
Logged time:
11:24
